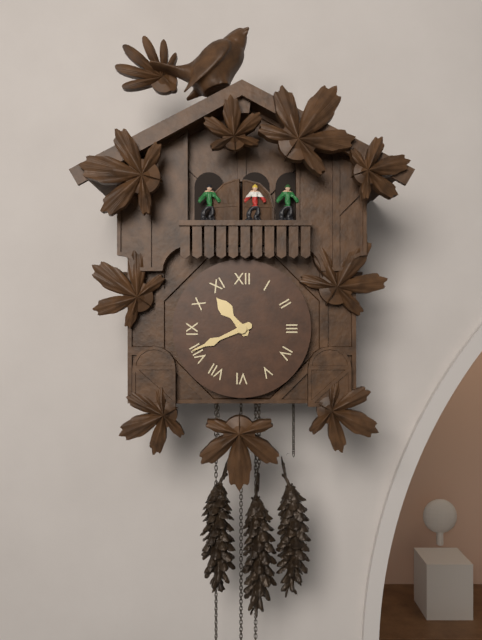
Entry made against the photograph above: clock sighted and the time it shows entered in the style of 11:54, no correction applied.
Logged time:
10:41
